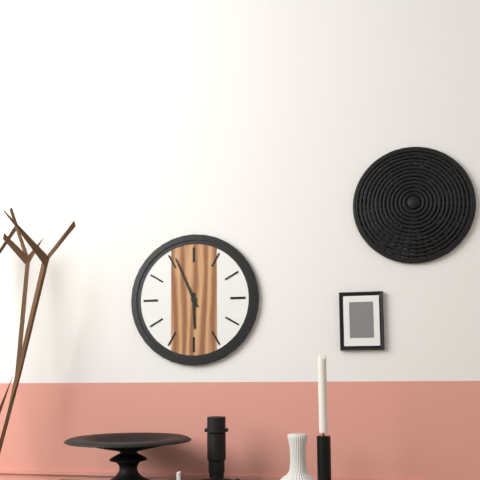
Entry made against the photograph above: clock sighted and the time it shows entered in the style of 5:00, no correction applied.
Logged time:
5:56
